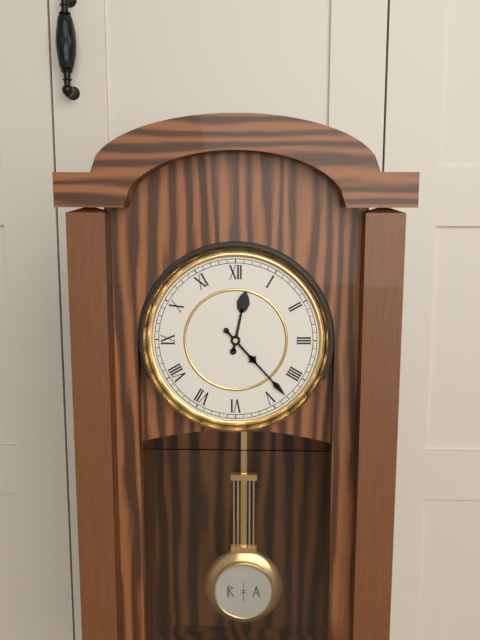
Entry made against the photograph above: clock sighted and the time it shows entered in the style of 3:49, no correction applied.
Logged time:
12:23
